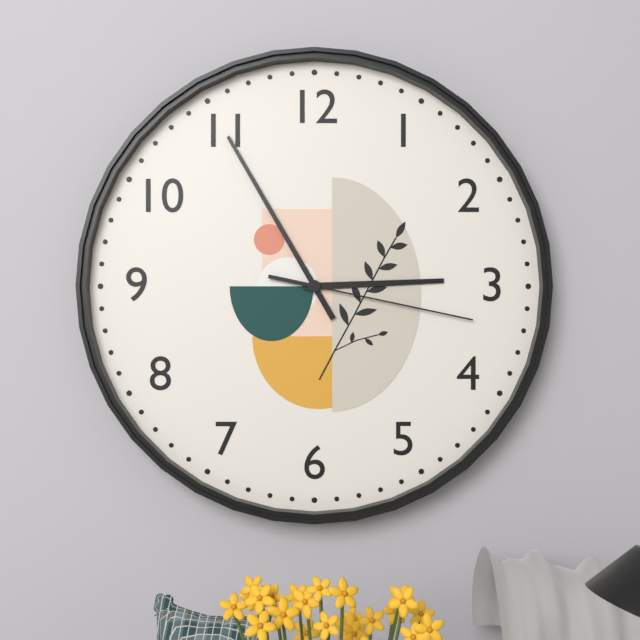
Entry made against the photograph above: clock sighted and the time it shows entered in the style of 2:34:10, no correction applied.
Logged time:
2:55:17
